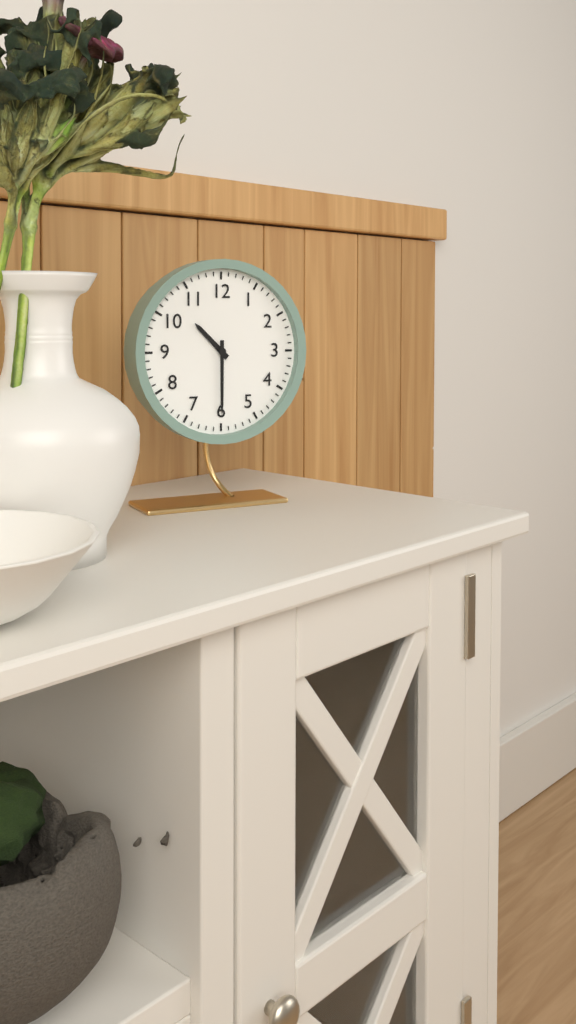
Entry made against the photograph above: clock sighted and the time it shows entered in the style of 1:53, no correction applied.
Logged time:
10:30
